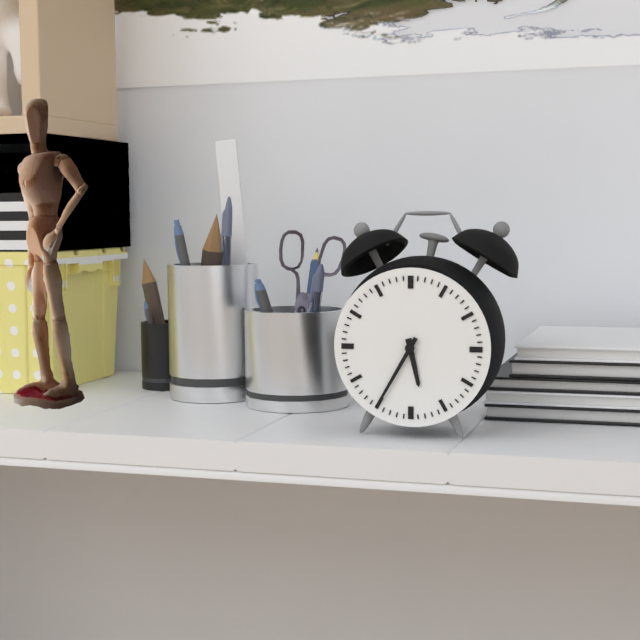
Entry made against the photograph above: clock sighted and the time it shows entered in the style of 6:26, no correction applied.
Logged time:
5:35
